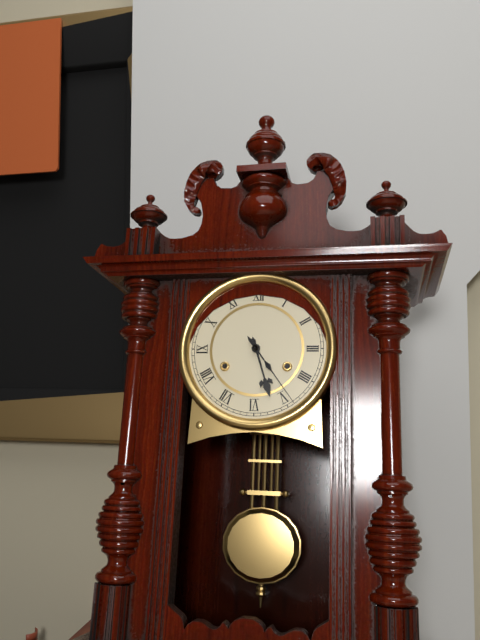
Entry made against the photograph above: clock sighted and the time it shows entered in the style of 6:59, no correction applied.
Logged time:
5:24
